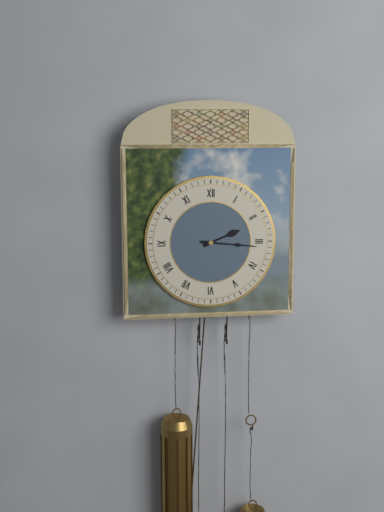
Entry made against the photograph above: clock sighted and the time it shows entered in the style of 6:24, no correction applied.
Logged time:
2:16
